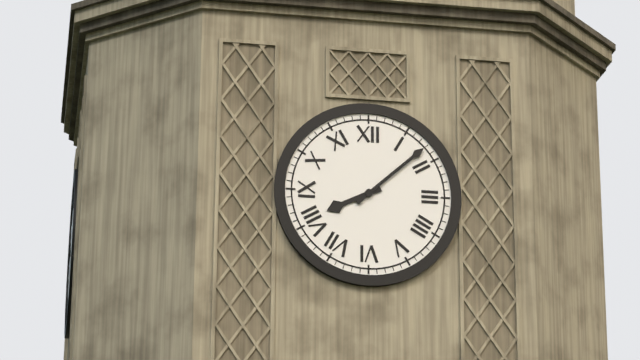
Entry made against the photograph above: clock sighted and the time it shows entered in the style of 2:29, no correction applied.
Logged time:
8:08
